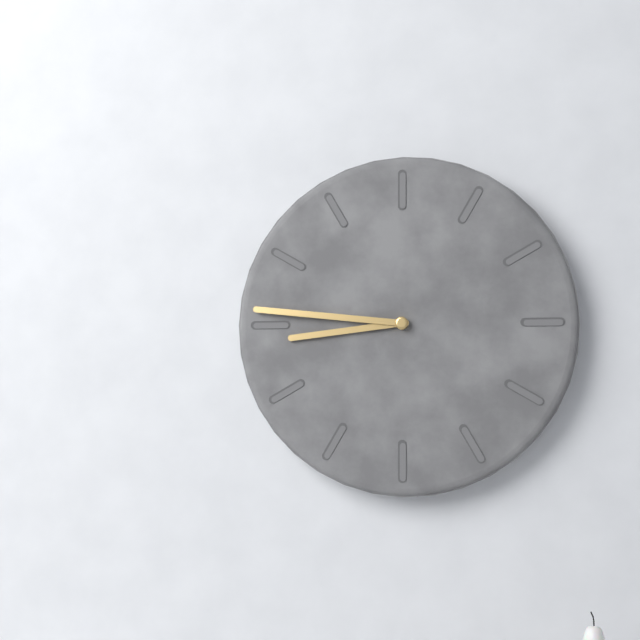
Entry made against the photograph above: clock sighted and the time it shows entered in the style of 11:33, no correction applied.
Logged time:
8:46
